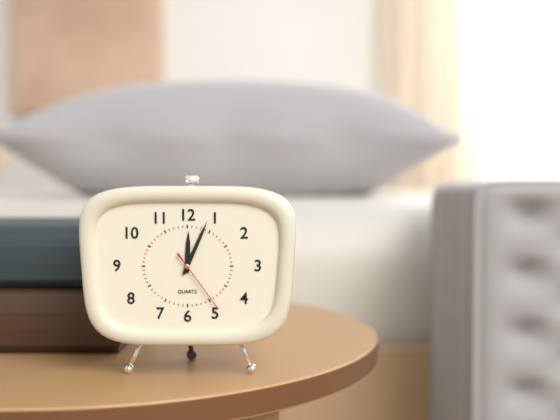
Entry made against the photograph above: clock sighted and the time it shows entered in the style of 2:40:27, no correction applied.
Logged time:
12:04:24
